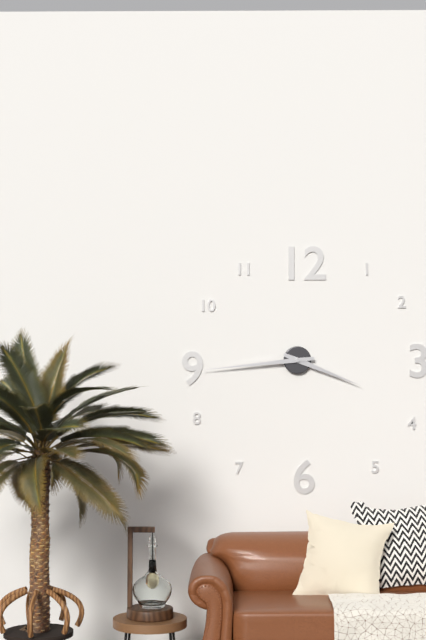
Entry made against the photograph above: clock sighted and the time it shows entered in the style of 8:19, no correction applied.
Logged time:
3:44
